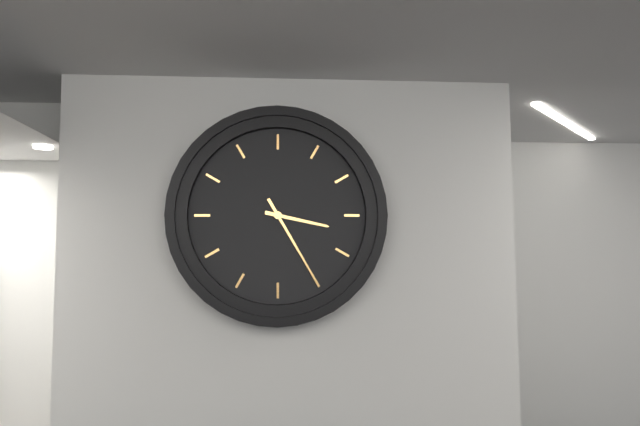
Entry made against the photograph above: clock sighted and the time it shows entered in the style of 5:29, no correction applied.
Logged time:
3:25
